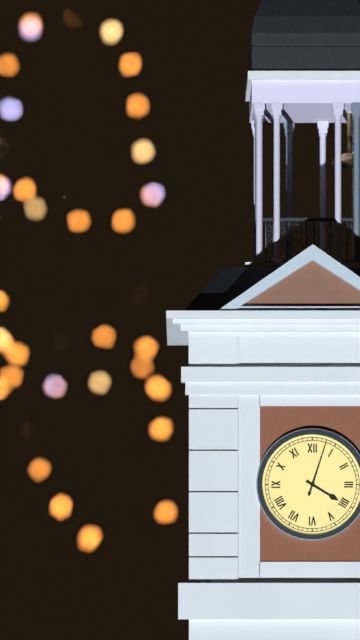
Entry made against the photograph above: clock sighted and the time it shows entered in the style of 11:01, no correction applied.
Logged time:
4:03
